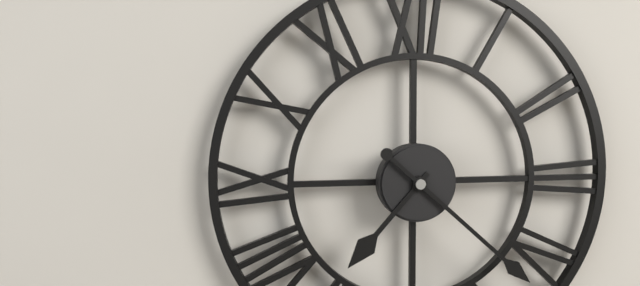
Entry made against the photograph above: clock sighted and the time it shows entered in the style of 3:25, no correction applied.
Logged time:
7:22
